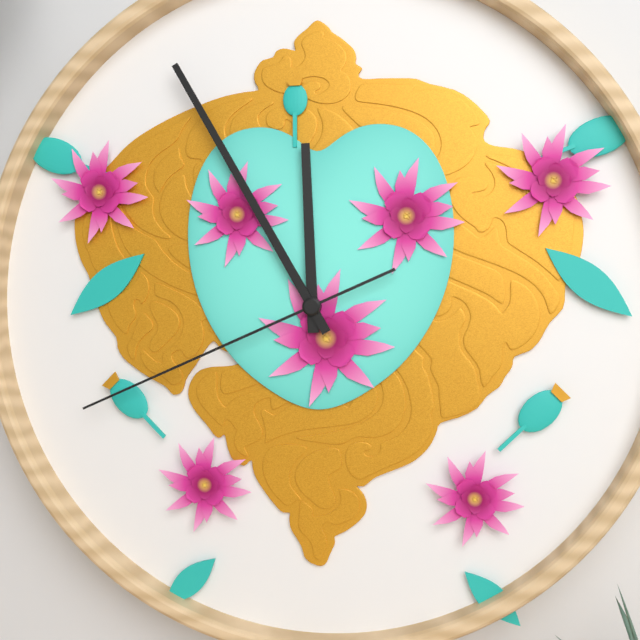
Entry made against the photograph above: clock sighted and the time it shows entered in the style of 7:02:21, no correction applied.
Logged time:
11:55:41
